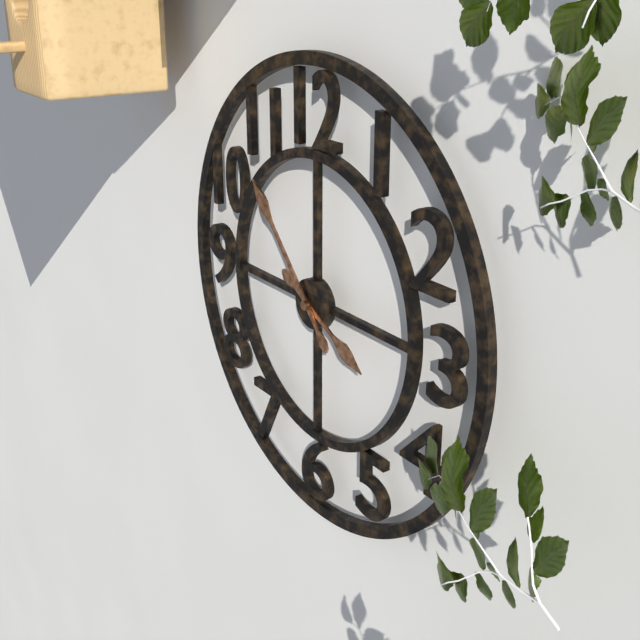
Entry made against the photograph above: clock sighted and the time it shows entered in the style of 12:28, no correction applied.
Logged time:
3:53
